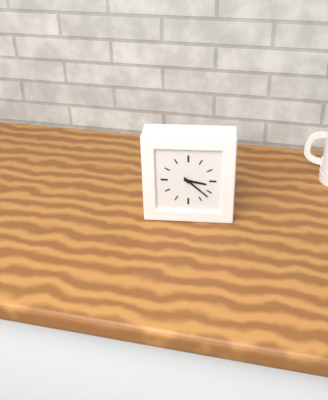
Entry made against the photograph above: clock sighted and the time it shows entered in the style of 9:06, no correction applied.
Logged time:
3:22
